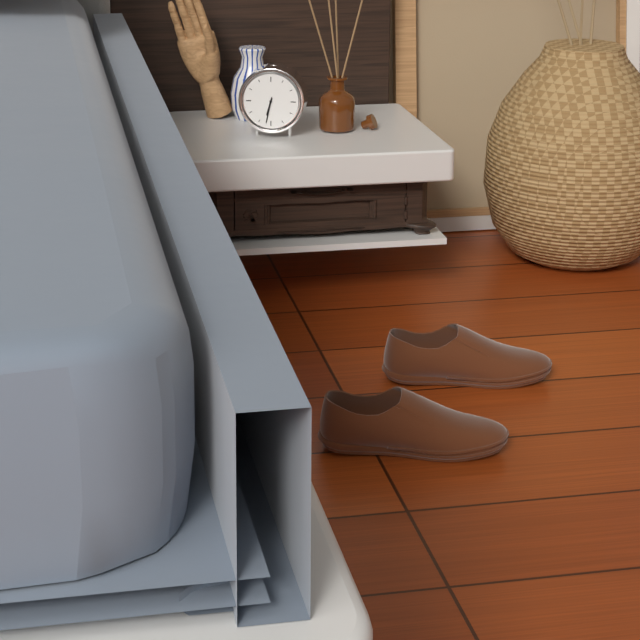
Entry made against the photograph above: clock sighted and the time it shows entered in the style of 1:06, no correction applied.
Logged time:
6:32
